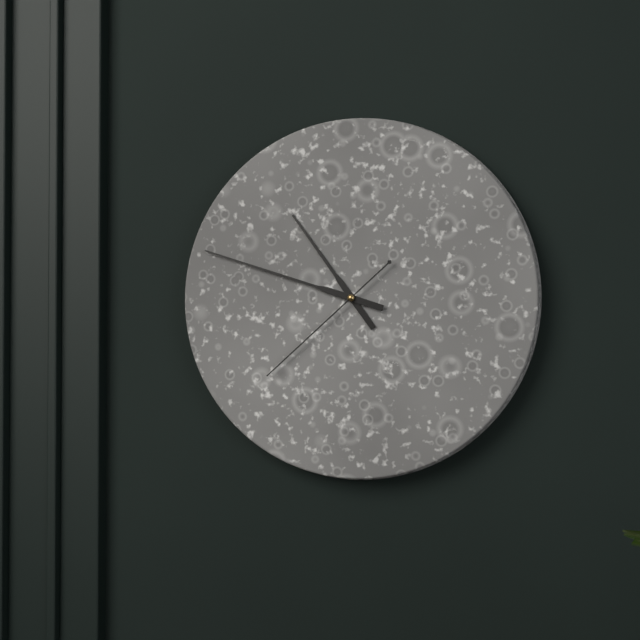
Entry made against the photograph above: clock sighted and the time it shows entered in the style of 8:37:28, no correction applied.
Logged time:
10:48:38
